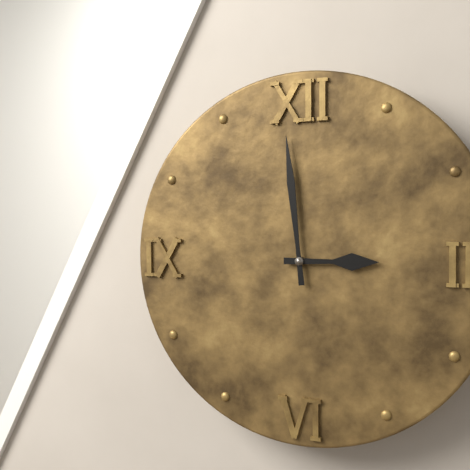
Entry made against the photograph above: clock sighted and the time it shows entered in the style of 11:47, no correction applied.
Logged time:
2:59
